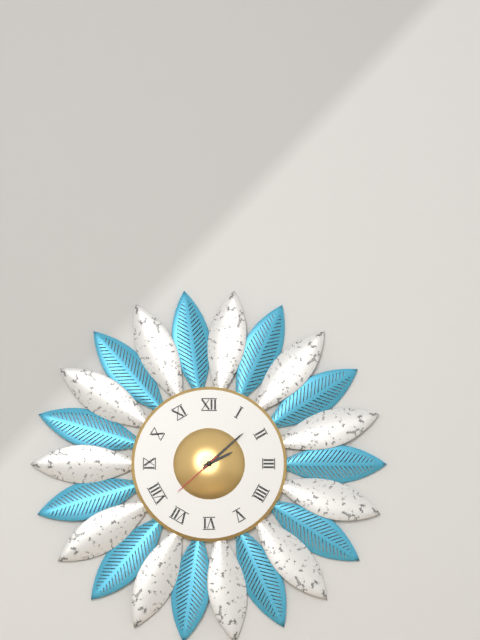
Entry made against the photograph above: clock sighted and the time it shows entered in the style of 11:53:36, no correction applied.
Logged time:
2:08:38
